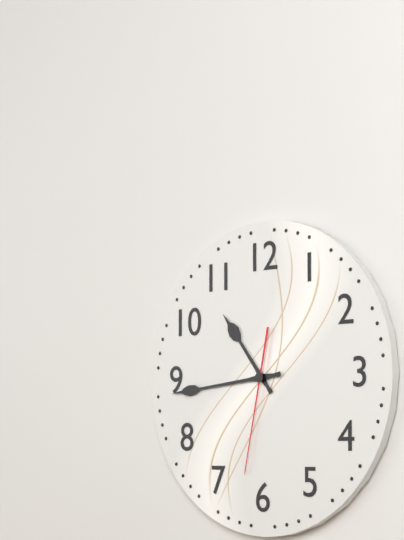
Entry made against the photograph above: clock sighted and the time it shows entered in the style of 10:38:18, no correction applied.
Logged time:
10:44:32
